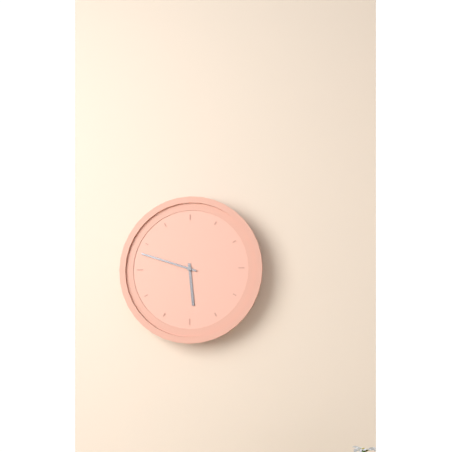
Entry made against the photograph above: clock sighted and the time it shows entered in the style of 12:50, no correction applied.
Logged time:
5:48
